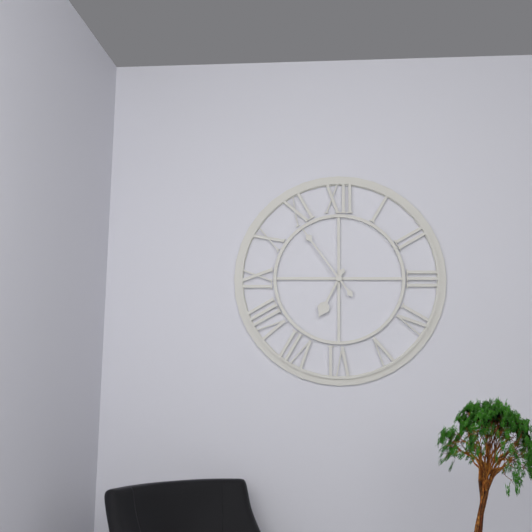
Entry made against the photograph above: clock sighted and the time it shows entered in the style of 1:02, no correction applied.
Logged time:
6:54
